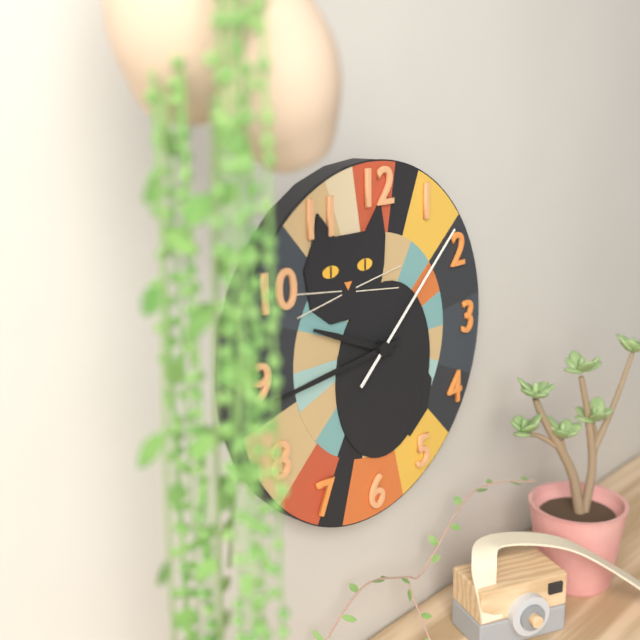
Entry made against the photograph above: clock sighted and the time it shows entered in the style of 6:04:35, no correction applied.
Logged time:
9:44:08
